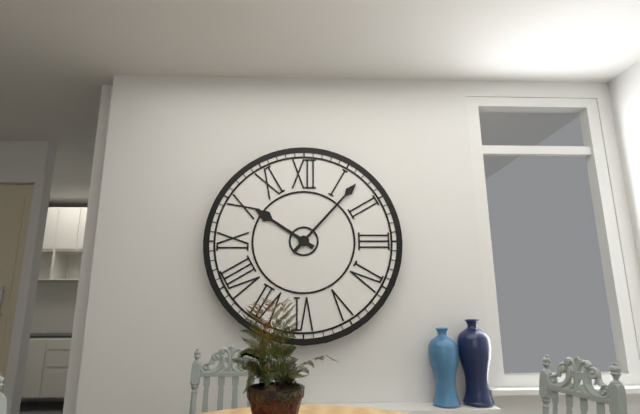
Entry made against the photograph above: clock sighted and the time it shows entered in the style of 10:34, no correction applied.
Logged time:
10:07
